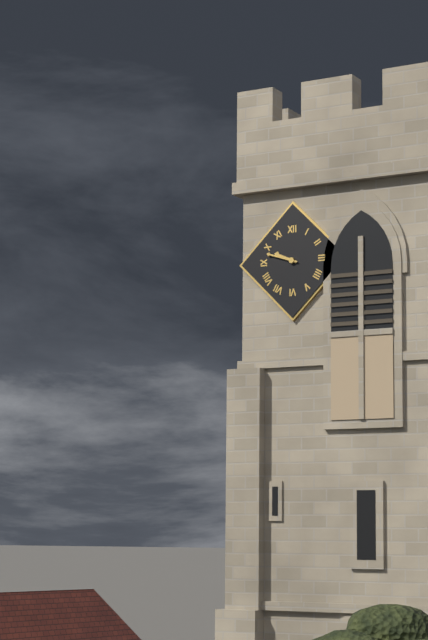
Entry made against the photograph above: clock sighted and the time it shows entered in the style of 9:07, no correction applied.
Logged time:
9:48
